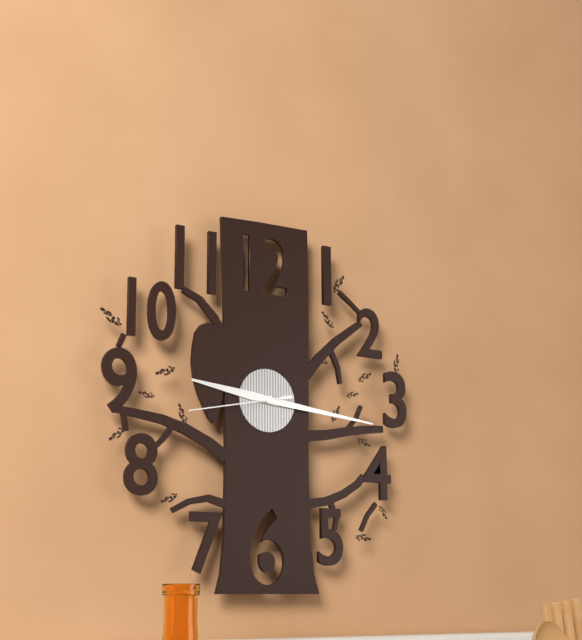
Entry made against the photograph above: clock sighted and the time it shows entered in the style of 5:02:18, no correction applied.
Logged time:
9:16:43
